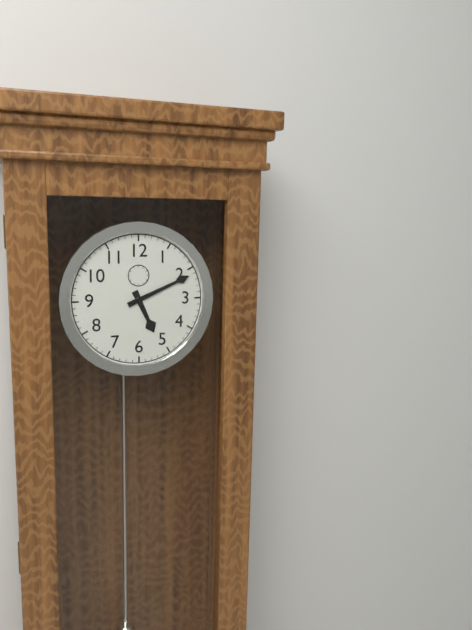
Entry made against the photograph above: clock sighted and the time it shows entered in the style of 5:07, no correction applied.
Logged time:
5:11
